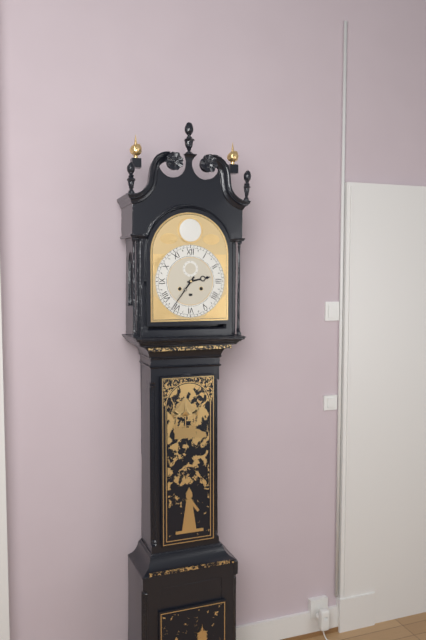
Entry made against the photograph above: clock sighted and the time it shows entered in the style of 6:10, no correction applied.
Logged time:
2:36
